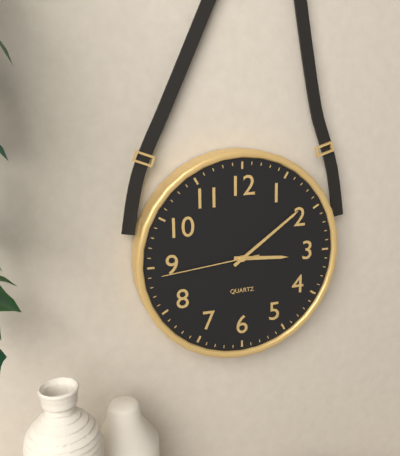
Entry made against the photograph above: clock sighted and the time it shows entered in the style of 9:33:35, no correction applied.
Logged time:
3:09:44
